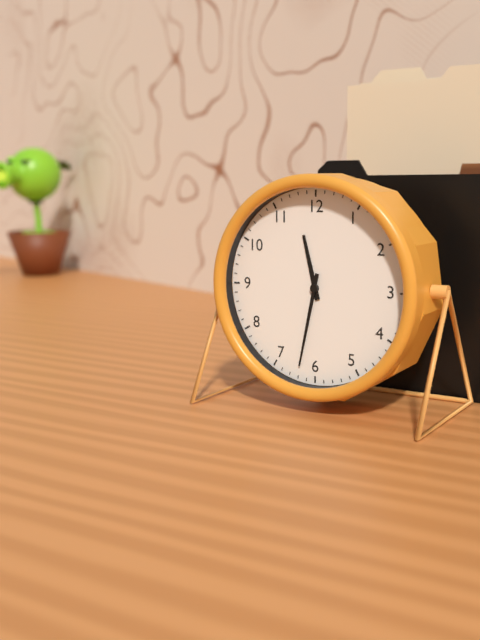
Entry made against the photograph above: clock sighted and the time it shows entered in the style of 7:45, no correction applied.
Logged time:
11:32
